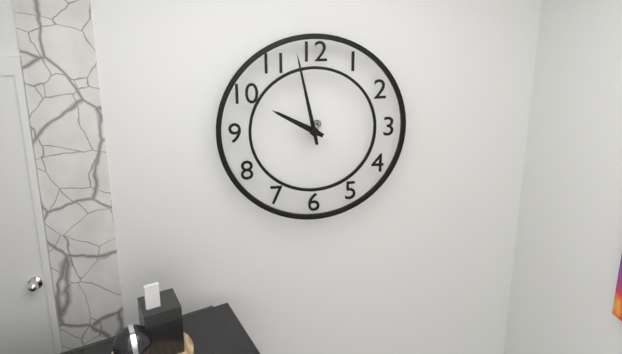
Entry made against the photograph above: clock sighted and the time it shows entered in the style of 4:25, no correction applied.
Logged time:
9:58
